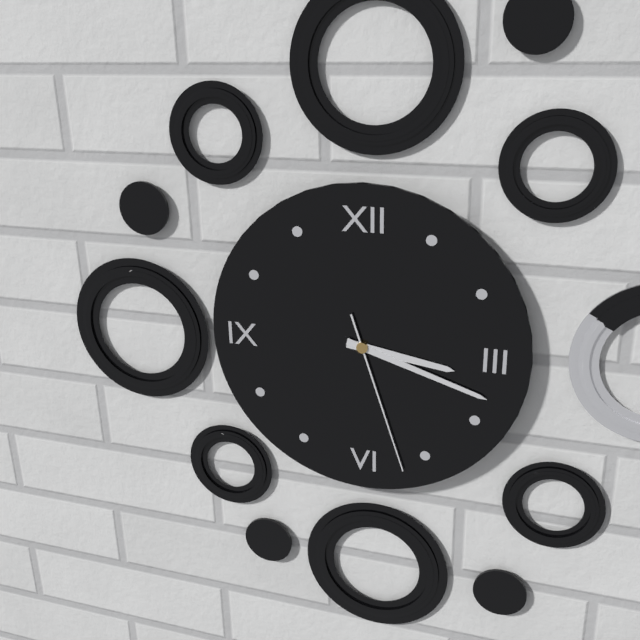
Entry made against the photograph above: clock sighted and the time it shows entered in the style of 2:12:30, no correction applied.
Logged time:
3:18:27
